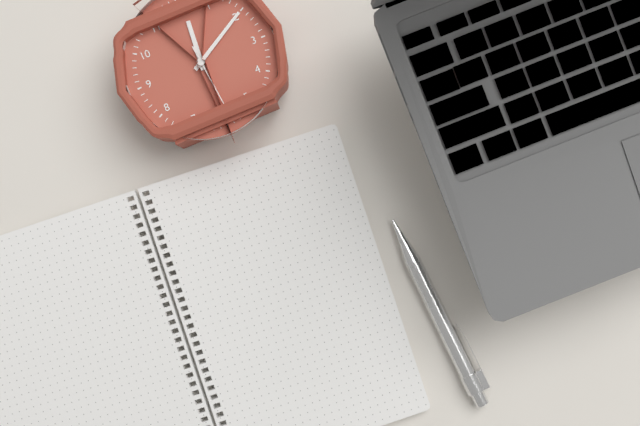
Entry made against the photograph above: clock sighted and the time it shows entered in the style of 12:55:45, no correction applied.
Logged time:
12:10:29
